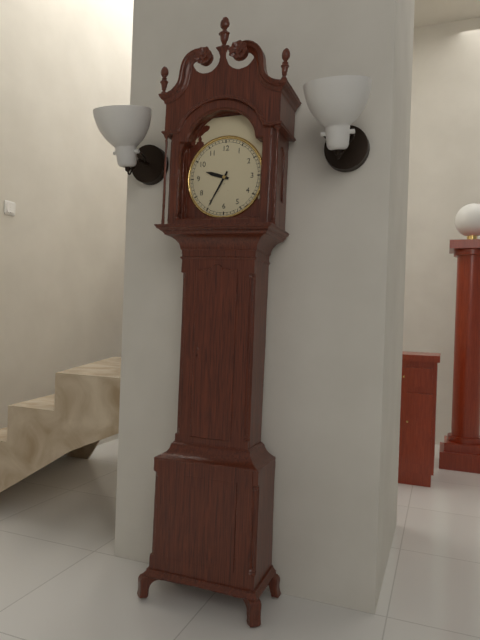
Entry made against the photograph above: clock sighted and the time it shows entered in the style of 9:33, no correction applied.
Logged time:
9:35
